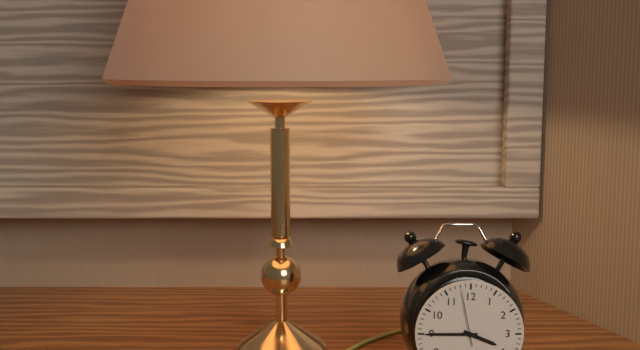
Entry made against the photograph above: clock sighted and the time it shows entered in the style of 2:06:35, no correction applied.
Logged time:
3:45:58
